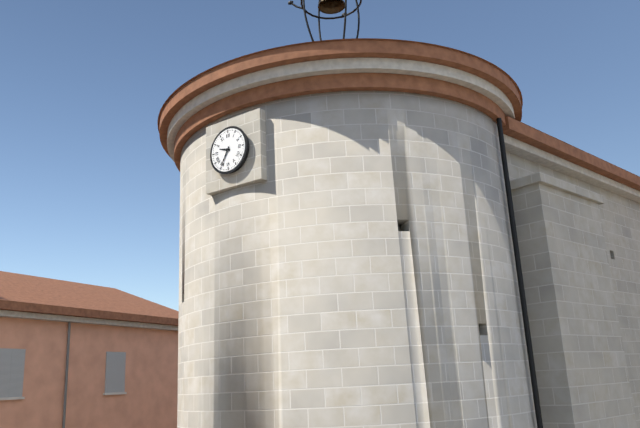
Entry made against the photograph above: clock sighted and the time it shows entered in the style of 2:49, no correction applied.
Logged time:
9:35
